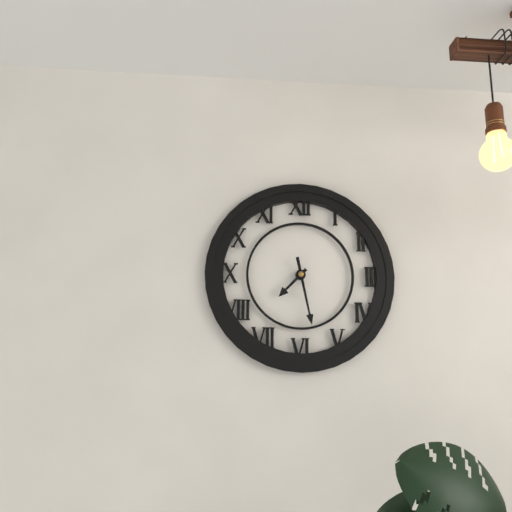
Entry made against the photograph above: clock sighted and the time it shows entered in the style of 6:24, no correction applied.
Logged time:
7:28
